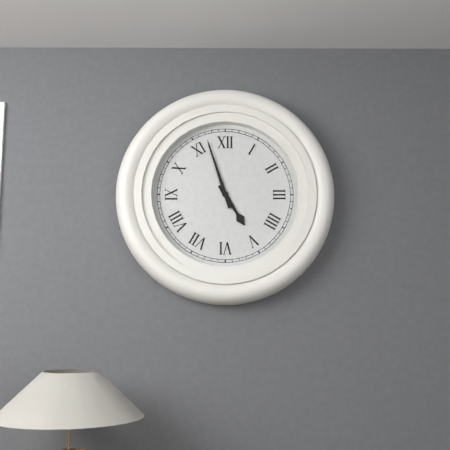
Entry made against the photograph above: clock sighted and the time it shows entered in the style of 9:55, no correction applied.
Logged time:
4:57
